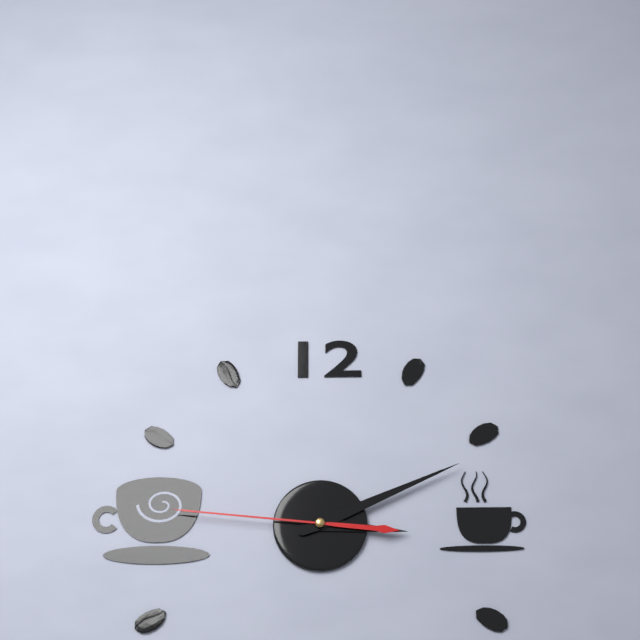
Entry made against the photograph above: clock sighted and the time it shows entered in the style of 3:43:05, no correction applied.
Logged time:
3:11:46
